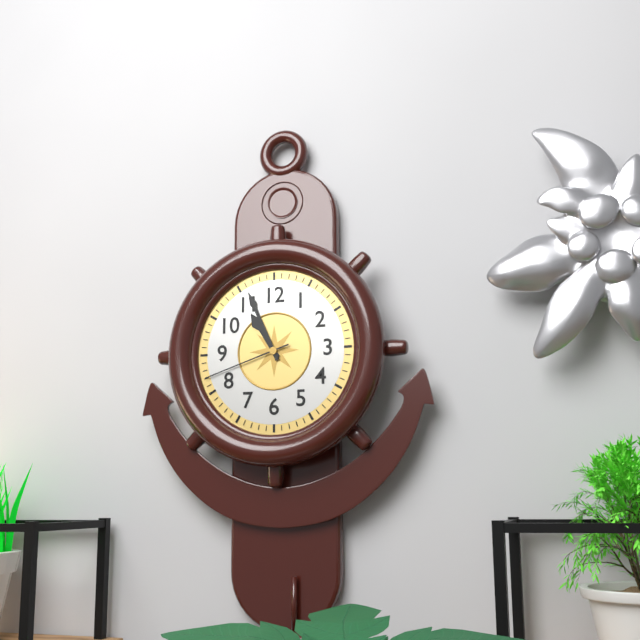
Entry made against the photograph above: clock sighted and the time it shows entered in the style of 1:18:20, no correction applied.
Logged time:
10:56:42
